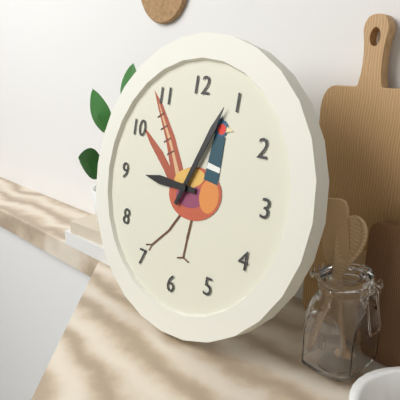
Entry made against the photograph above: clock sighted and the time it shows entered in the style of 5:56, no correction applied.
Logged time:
9:04
